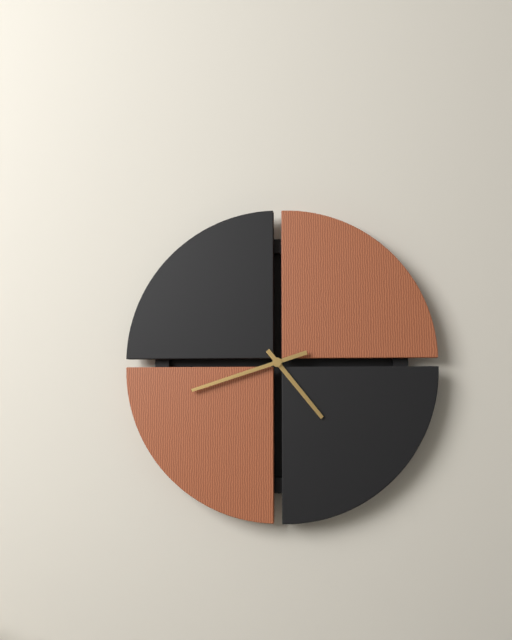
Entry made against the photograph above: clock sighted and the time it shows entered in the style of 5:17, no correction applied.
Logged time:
4:42
